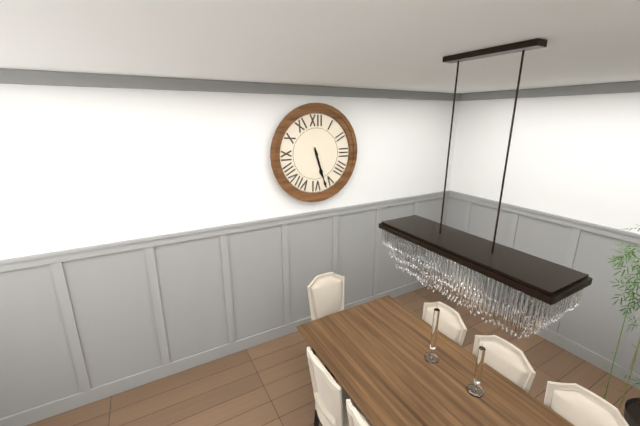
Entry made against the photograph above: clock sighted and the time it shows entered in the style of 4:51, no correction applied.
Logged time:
5:27
